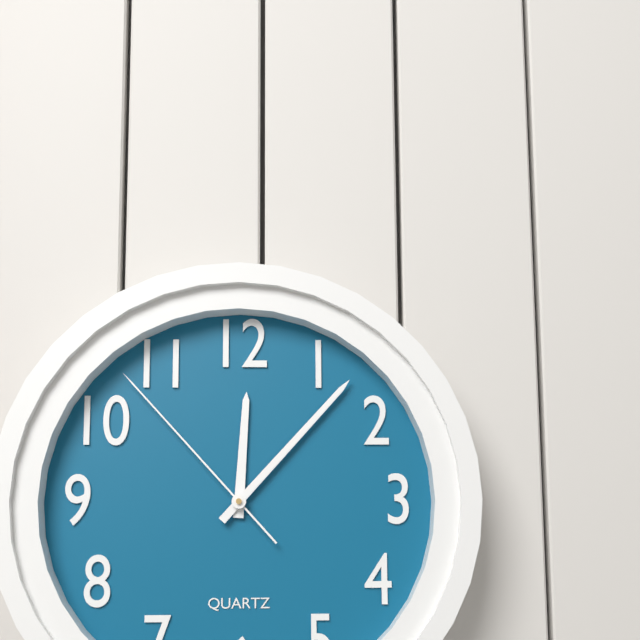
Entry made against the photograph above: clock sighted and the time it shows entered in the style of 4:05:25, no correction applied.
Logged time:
12:07:53
